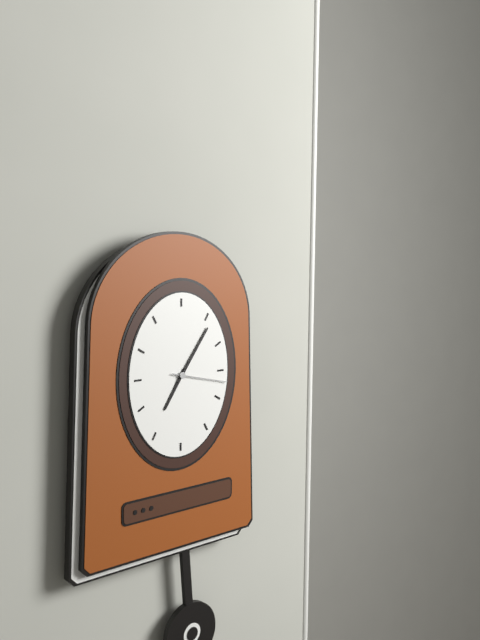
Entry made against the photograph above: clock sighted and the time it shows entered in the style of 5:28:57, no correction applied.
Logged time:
7:06:17
